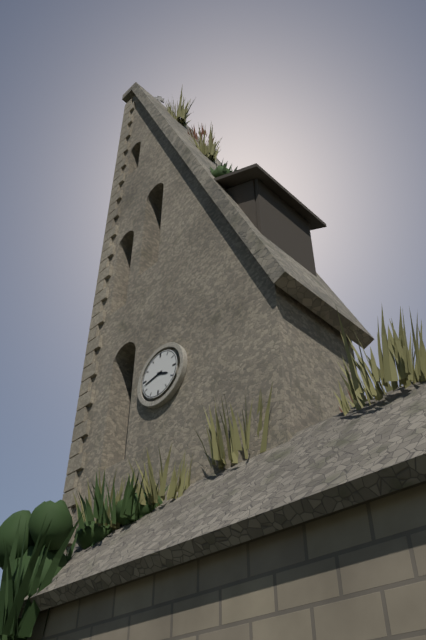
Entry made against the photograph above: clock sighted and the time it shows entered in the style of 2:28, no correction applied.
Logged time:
3:43
